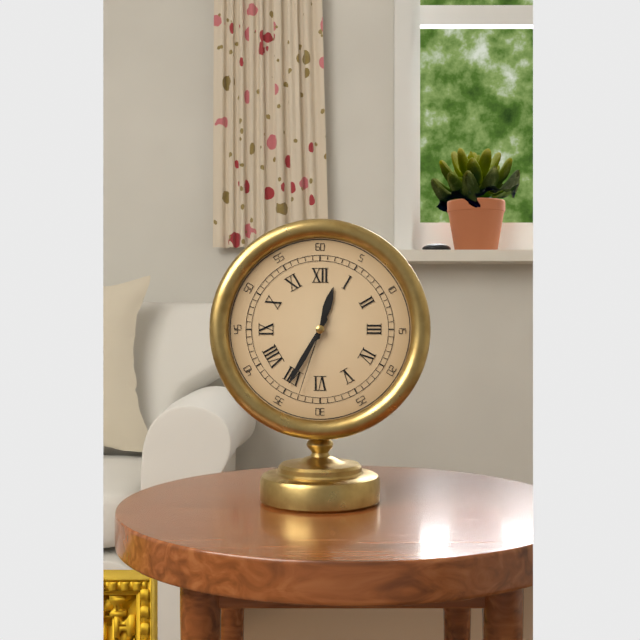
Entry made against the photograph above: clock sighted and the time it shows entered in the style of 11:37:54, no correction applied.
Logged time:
12:35:33
